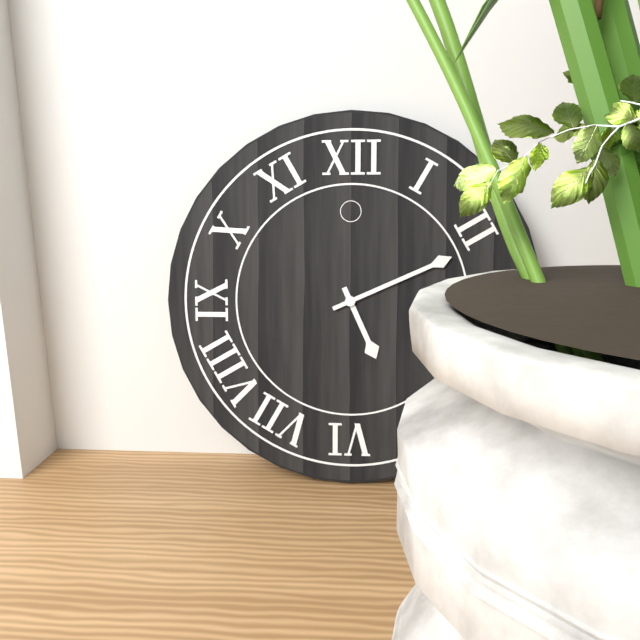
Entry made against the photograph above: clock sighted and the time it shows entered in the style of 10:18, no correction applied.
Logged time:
5:11
